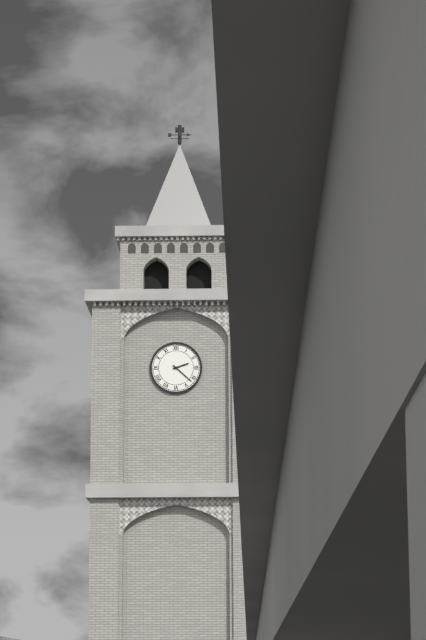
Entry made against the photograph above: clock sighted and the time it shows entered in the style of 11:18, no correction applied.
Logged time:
2:22
